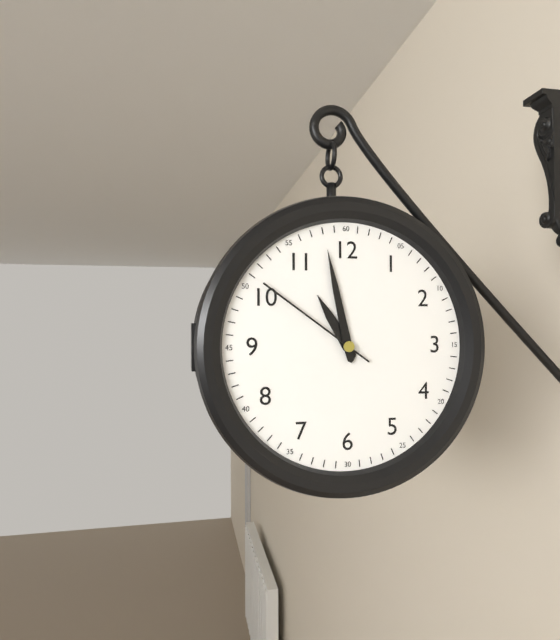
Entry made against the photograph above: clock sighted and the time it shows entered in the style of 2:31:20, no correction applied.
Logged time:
10:58:51
